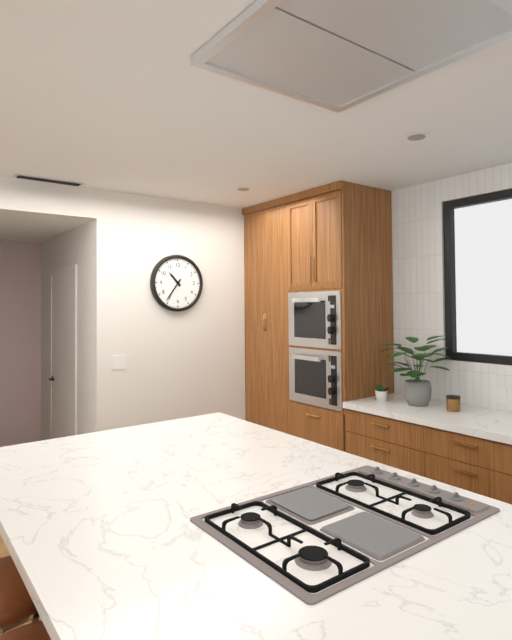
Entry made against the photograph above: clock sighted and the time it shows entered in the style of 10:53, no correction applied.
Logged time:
10:36
